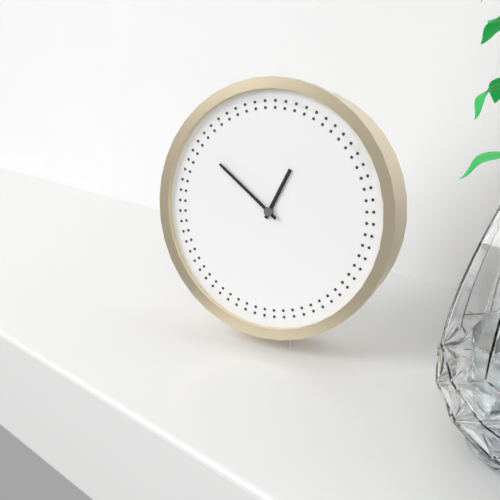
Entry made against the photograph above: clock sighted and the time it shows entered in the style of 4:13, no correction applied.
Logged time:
12:51
